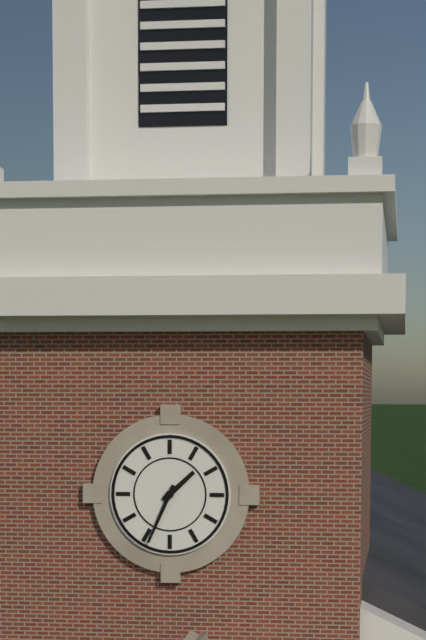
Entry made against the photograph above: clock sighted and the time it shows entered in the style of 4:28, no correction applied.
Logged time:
1:34
